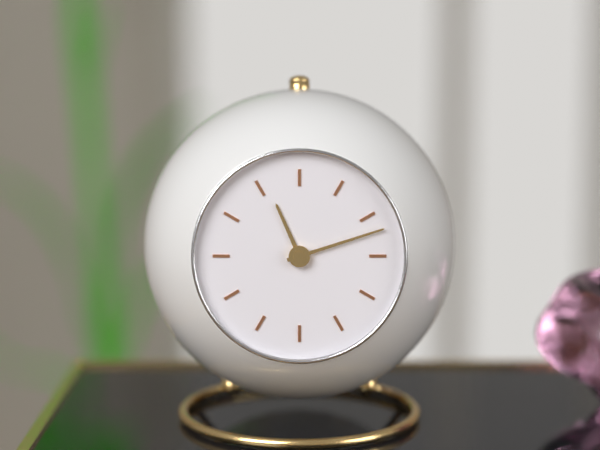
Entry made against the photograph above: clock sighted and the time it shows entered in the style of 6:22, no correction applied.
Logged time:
11:12
